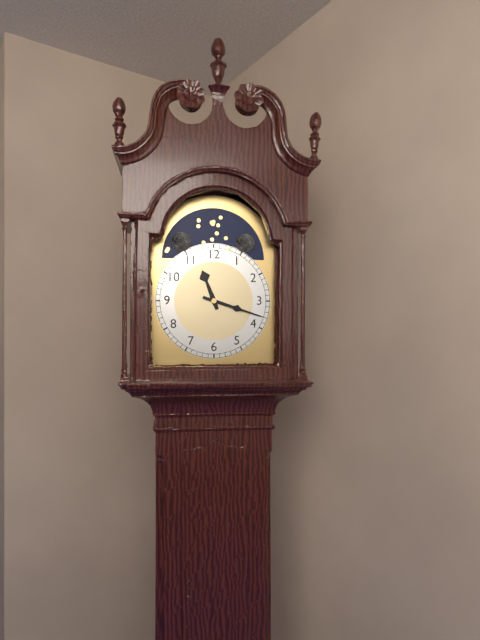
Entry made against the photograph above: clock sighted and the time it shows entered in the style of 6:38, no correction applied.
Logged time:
11:18
